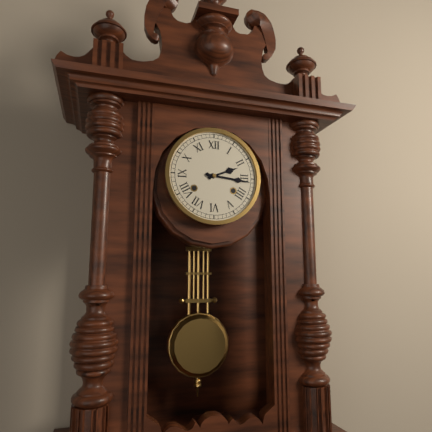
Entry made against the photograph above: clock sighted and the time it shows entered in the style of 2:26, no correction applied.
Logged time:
2:16
